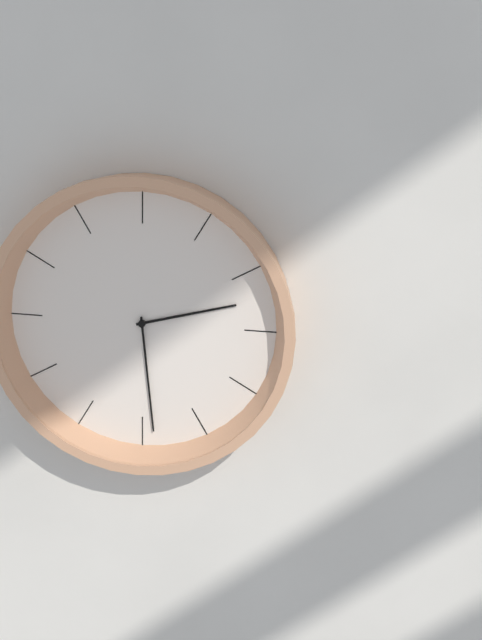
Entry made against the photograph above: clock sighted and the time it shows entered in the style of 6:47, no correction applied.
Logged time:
2:29
